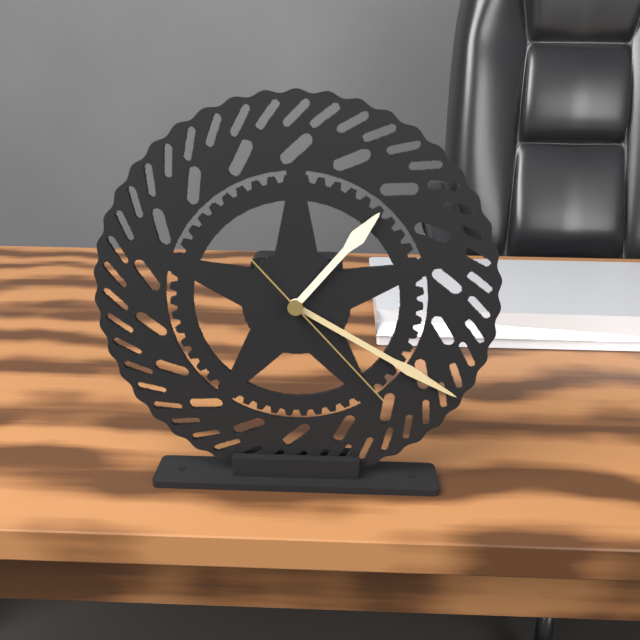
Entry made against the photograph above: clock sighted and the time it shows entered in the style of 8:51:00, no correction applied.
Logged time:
1:20:23
